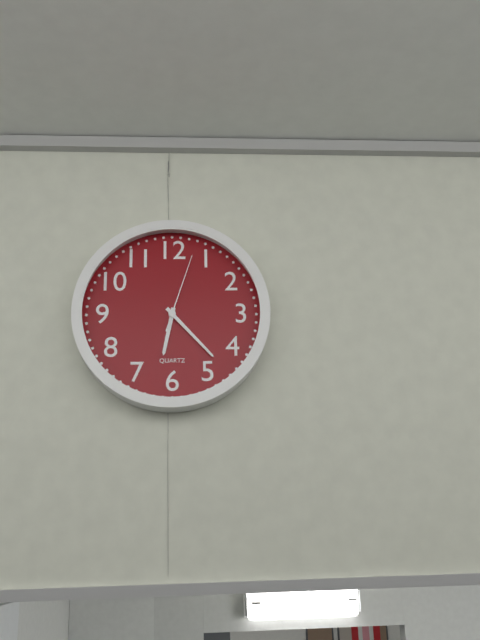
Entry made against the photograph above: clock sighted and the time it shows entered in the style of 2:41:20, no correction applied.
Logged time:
6:23:03
